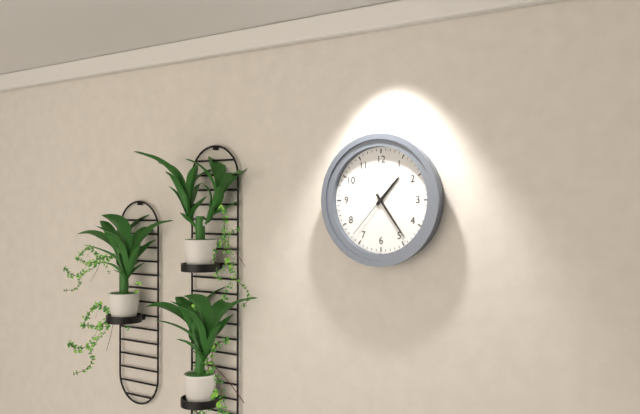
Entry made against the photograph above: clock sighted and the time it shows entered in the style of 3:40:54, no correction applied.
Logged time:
1:24:37
